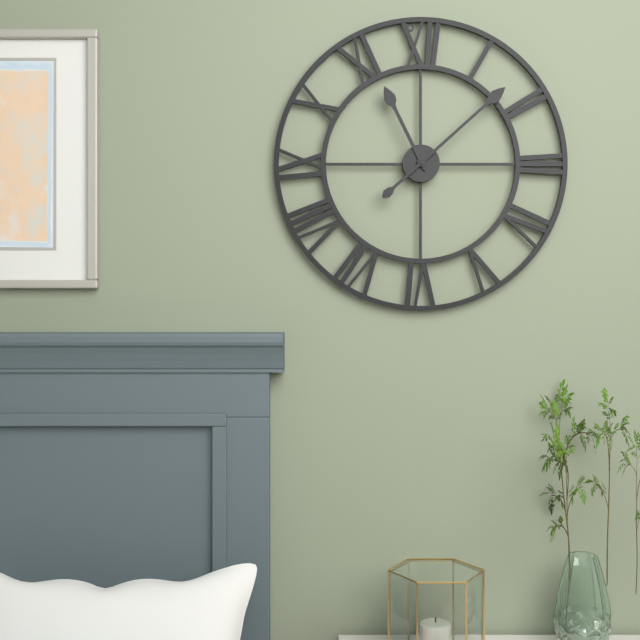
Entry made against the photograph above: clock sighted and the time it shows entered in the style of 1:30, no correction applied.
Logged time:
11:08
